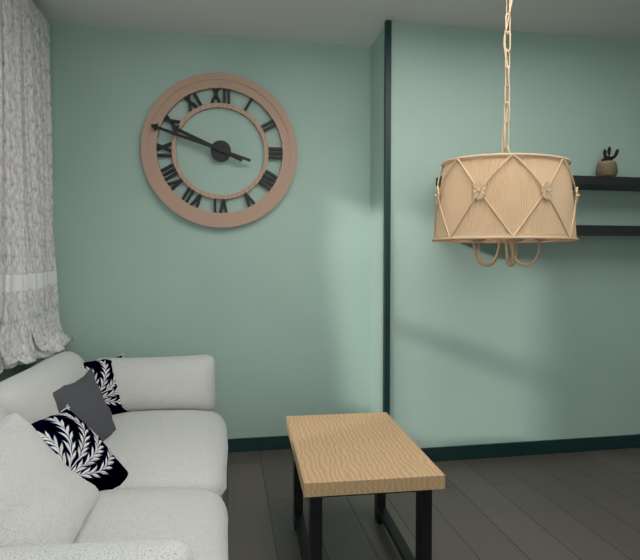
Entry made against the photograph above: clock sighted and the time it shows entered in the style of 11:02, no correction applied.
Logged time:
9:48
